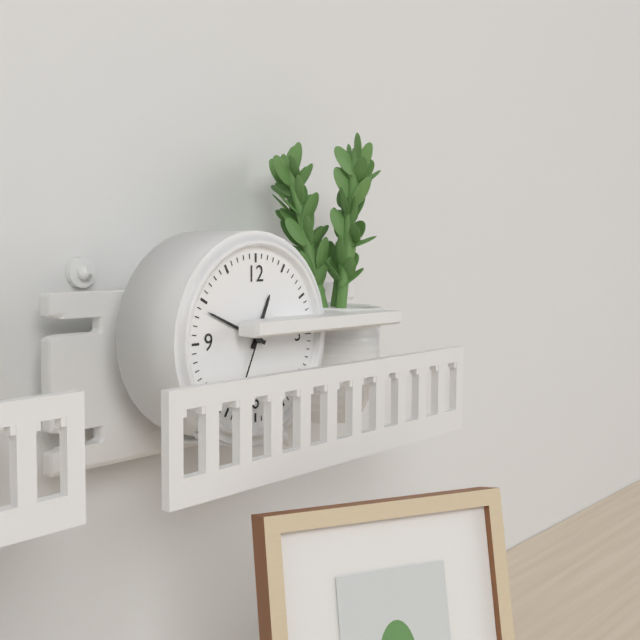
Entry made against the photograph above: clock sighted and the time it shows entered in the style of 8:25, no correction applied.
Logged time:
12:49
